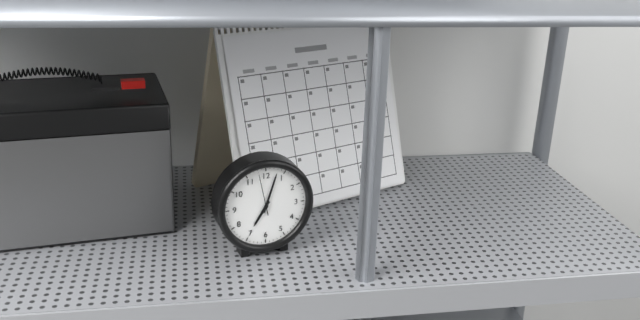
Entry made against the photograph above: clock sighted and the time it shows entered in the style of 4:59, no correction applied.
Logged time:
7:03
